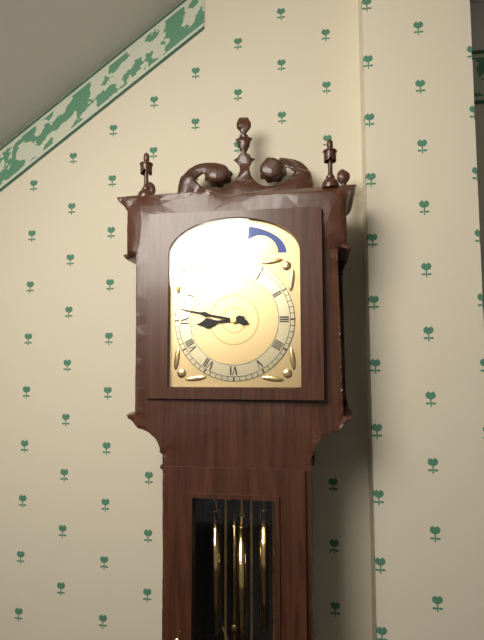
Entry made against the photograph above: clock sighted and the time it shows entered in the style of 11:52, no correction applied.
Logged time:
8:47
